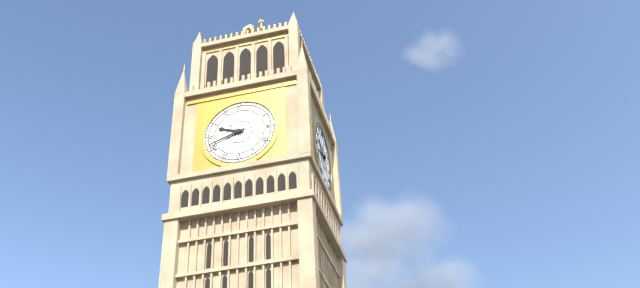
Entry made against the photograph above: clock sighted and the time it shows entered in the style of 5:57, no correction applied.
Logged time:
9:42
